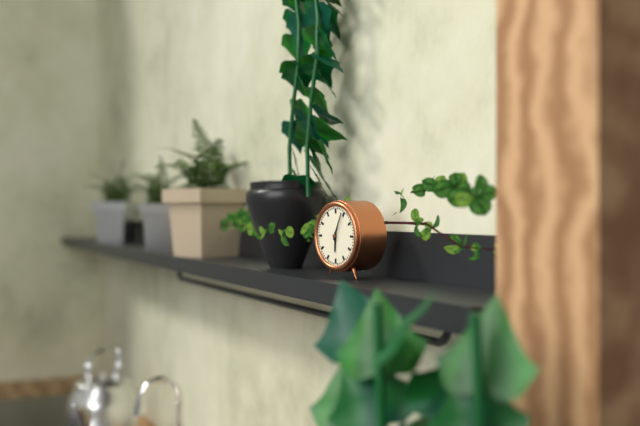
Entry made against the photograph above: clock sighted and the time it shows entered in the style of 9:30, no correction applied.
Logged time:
6:04
